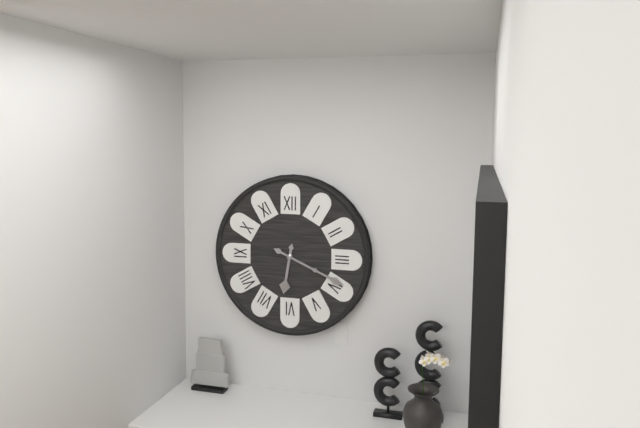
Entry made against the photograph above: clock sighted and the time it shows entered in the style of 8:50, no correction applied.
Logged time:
6:19
